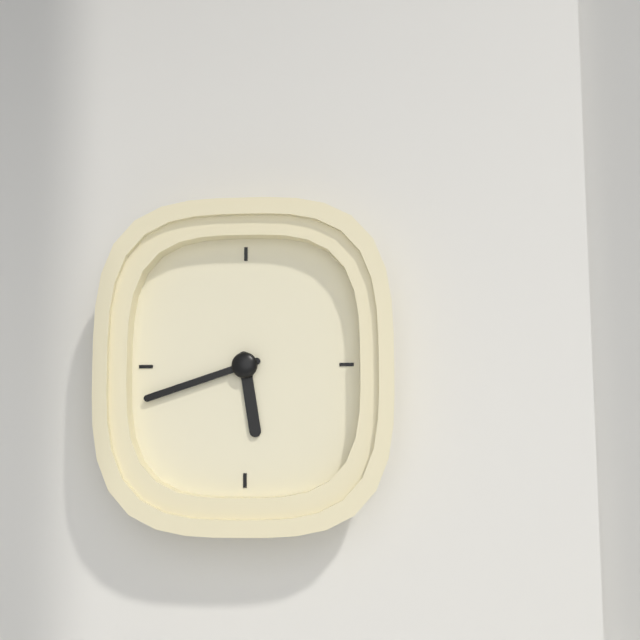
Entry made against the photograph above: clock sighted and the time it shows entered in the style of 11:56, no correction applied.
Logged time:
5:42
